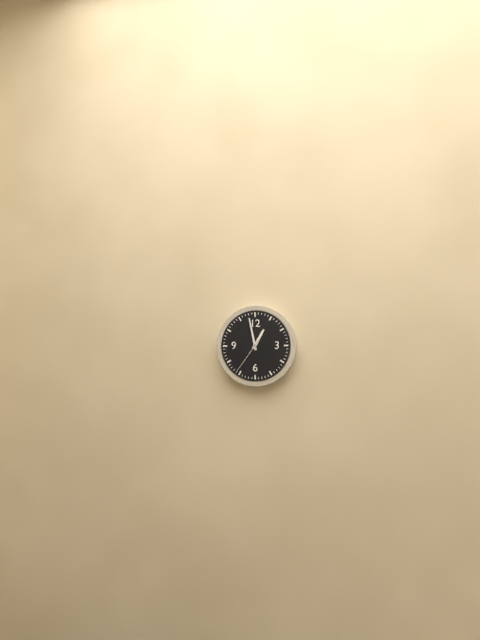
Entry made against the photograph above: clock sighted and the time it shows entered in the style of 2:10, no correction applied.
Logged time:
12:58
